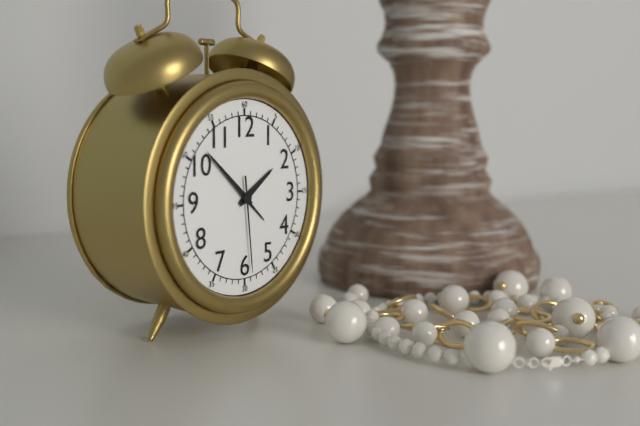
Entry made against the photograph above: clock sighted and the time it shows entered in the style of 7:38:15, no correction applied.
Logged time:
1:52:29
